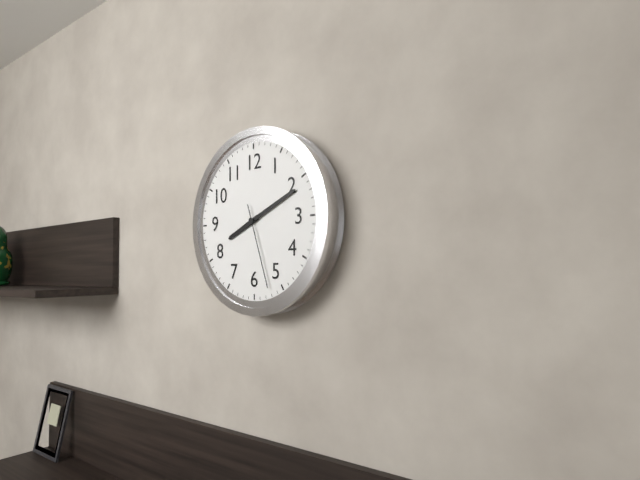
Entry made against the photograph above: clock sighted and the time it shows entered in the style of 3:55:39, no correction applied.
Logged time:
8:11:27
